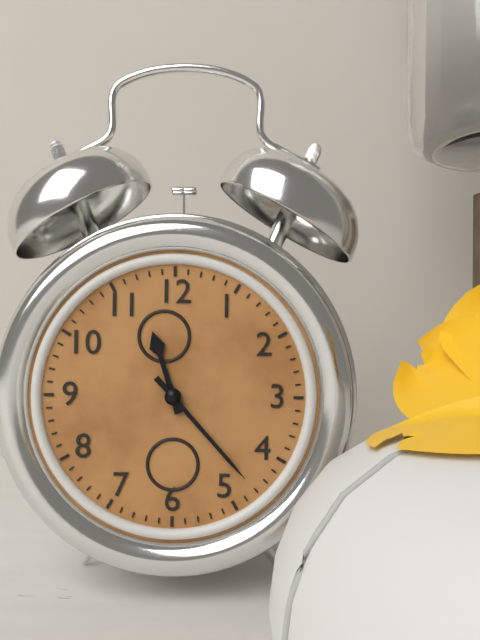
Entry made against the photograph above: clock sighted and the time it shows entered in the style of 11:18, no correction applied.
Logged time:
11:23
